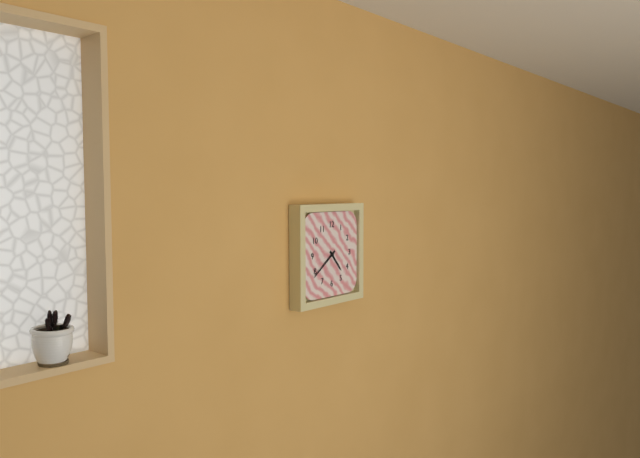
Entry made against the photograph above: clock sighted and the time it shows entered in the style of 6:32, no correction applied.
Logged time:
4:39
